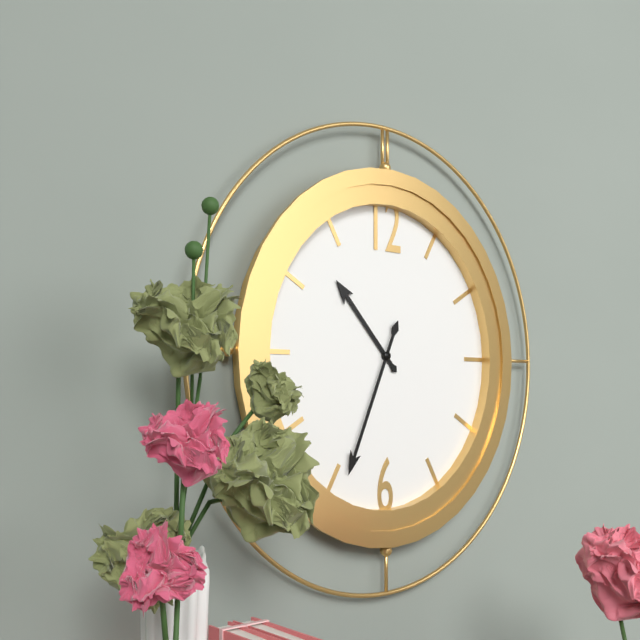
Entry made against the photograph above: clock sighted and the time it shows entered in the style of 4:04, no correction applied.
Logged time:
10:34
